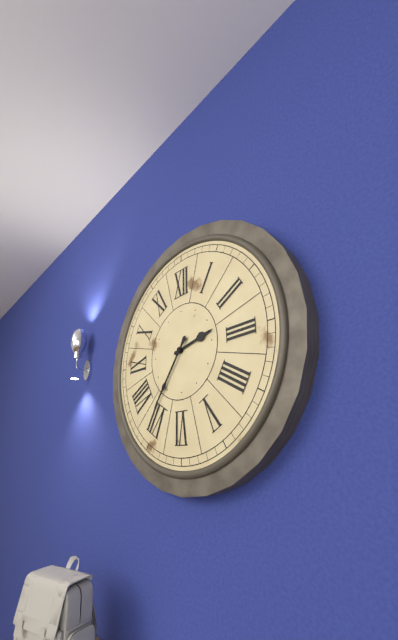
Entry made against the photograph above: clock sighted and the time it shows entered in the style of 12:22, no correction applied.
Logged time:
2:36
